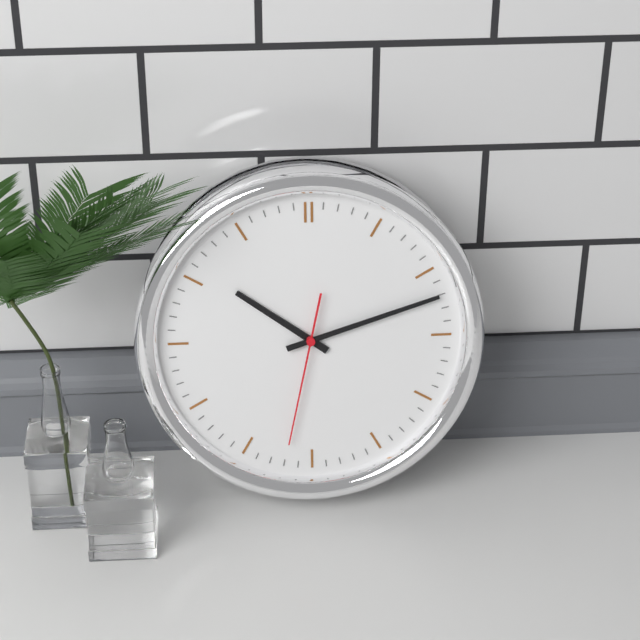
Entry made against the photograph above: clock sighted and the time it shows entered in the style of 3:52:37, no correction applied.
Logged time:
10:12:32
